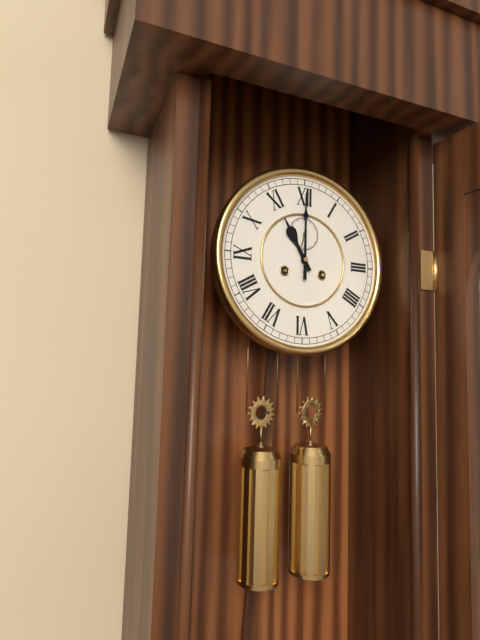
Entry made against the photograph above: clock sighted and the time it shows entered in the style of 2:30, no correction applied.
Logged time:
11:00
